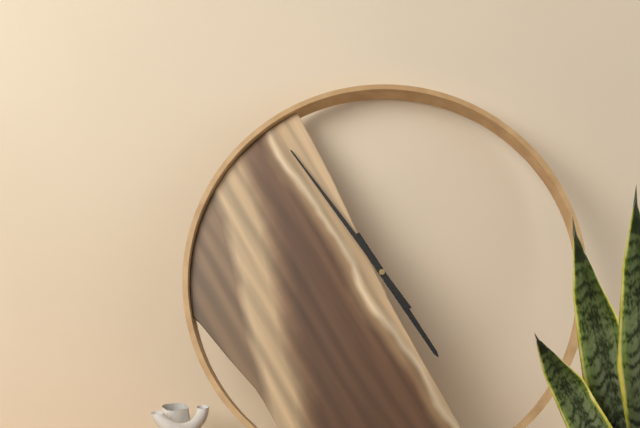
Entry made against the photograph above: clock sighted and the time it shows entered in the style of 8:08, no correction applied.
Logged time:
4:54
